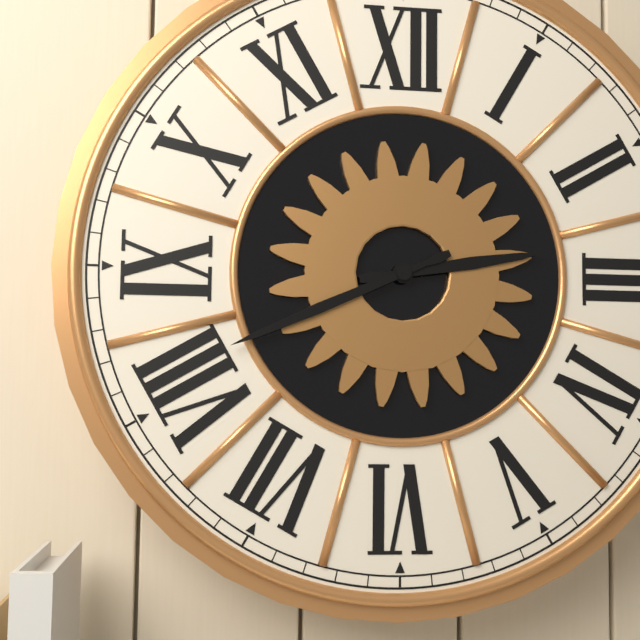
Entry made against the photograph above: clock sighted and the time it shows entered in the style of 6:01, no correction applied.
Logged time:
2:41
